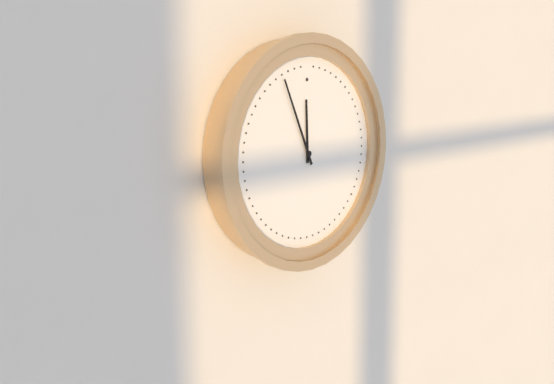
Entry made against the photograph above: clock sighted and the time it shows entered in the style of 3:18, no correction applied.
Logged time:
11:56
